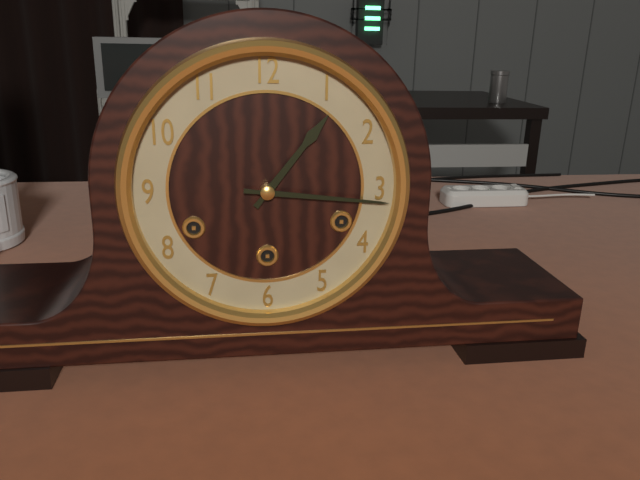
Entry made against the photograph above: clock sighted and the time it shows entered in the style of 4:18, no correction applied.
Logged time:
1:16
